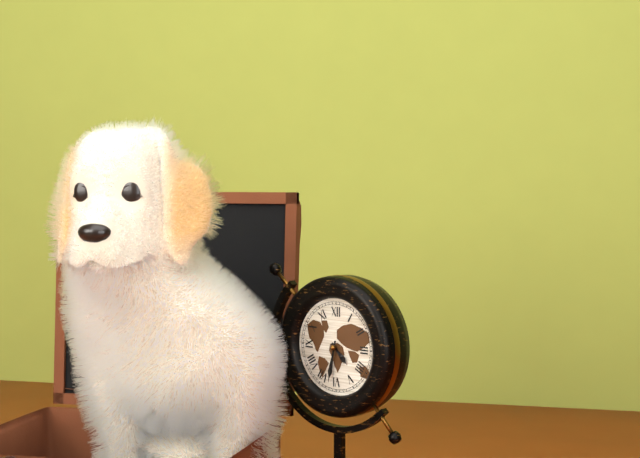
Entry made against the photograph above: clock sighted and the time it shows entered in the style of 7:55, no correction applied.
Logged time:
4:32
